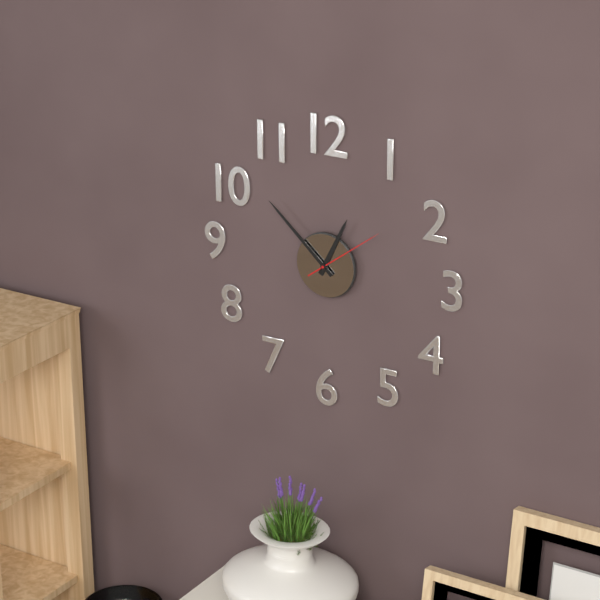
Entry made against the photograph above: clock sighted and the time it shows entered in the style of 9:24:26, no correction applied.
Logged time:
12:52:09
